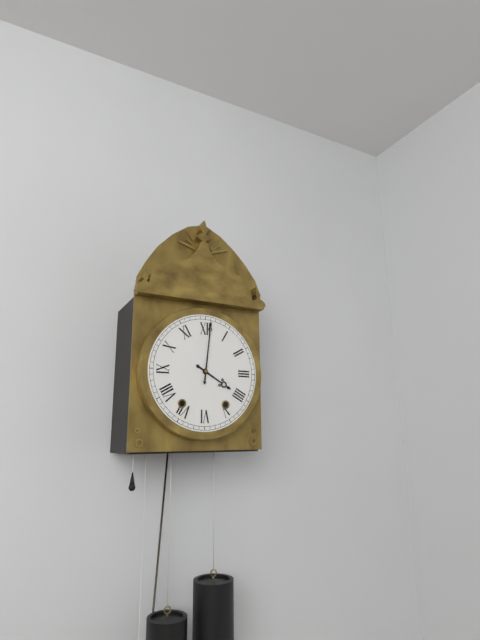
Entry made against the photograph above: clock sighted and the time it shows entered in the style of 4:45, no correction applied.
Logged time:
4:01
